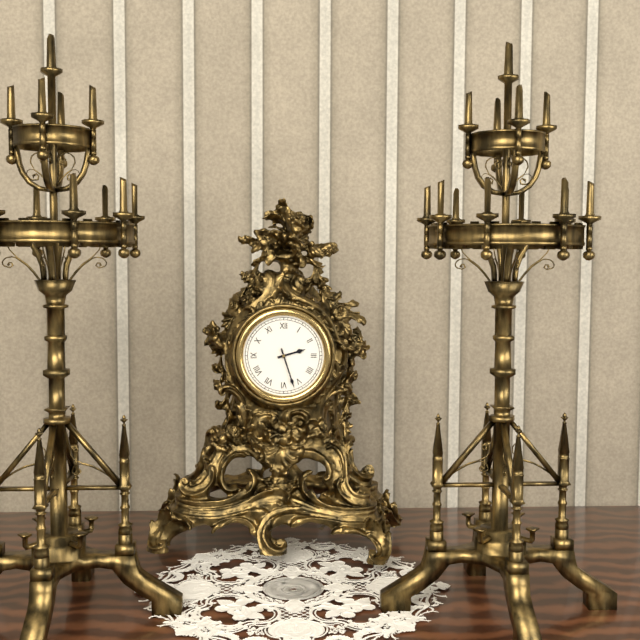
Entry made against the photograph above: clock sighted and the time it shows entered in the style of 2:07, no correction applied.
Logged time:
2:27
